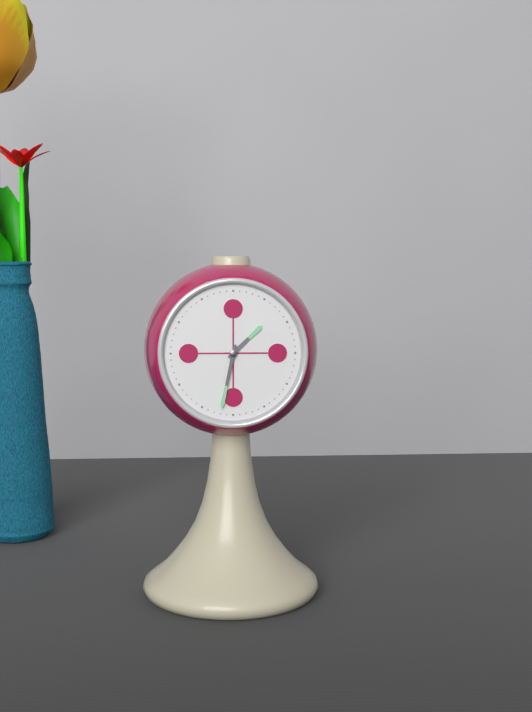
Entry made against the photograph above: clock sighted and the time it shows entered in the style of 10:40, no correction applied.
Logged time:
1:32
